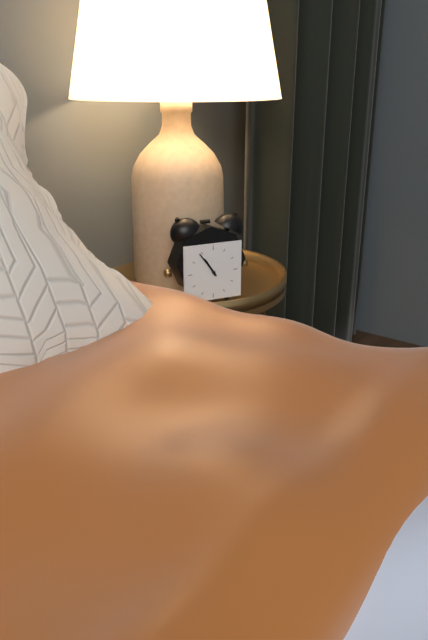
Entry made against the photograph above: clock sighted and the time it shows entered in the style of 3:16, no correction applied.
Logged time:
10:54
